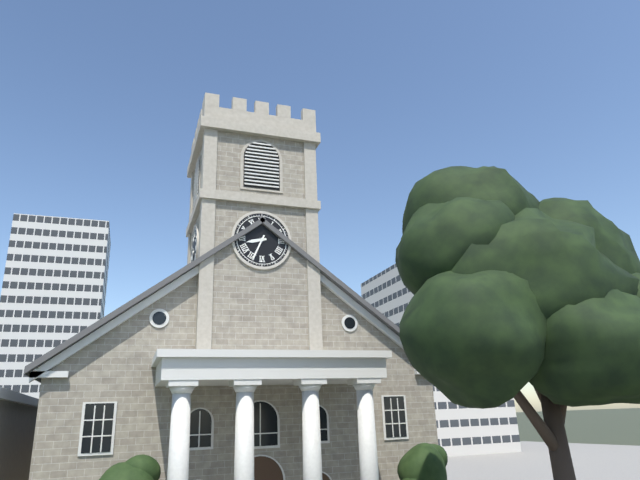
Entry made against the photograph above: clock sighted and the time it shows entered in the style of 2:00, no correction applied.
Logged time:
8:34
